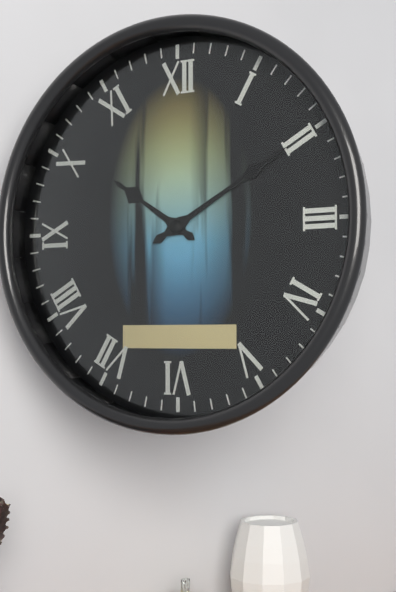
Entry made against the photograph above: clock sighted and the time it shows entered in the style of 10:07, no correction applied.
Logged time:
10:10
